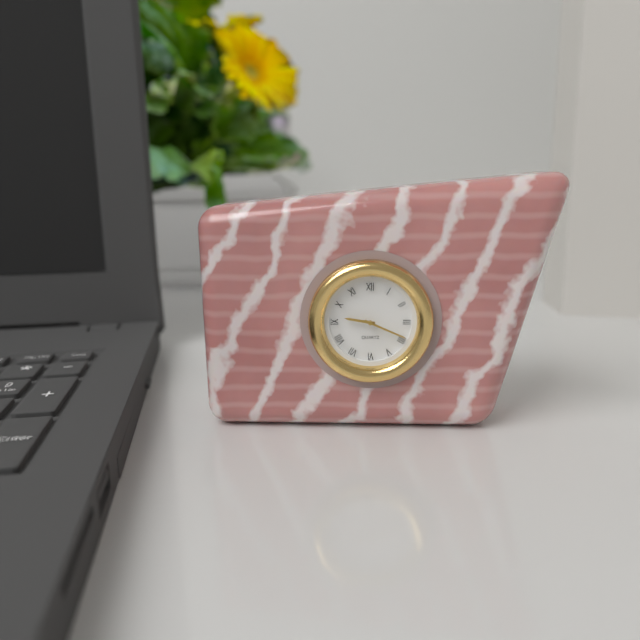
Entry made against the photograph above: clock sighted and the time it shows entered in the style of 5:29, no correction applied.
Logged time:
9:19
